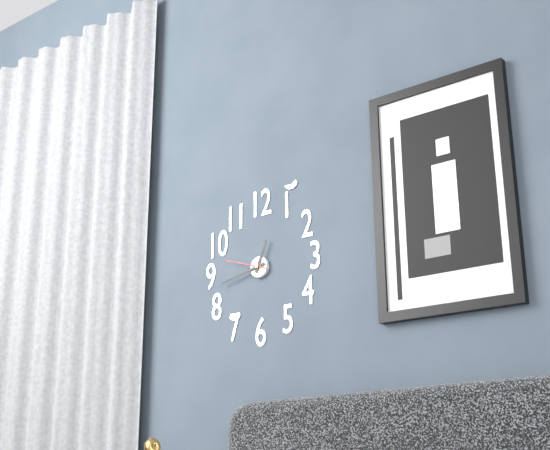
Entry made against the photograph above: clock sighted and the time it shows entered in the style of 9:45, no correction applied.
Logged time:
12:43
